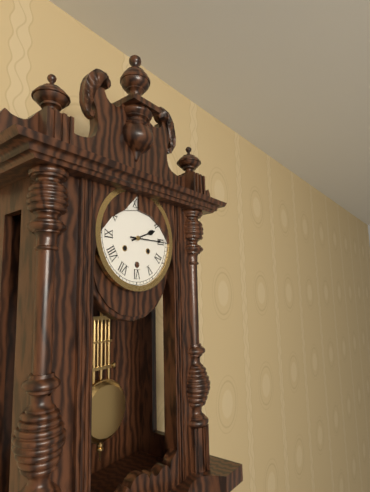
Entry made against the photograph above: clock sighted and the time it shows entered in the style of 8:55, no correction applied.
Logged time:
2:15
